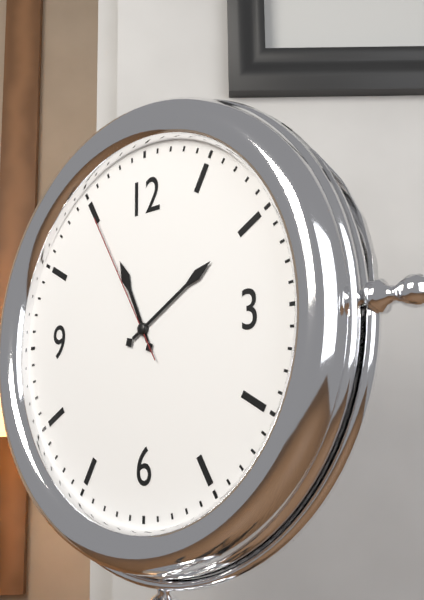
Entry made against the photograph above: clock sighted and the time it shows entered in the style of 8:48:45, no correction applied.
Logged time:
11:10:55
